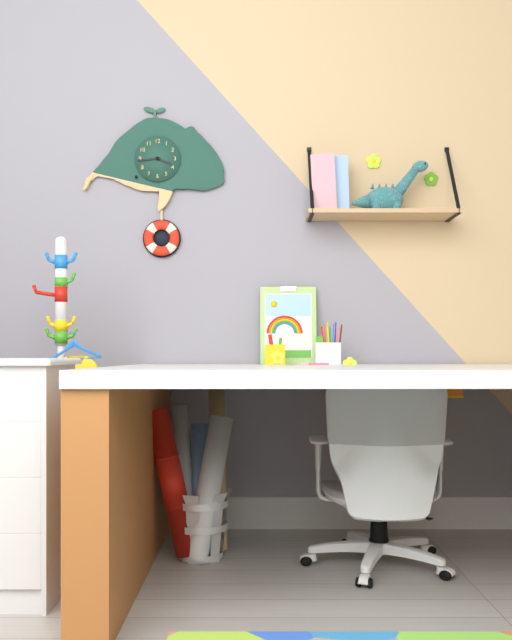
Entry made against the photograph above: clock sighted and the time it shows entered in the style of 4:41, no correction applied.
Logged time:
3:44
